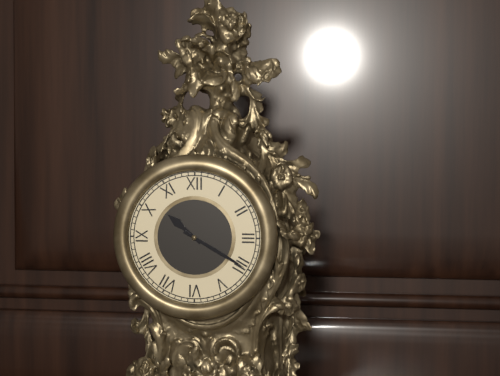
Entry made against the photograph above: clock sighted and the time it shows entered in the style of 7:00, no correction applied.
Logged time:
10:20
